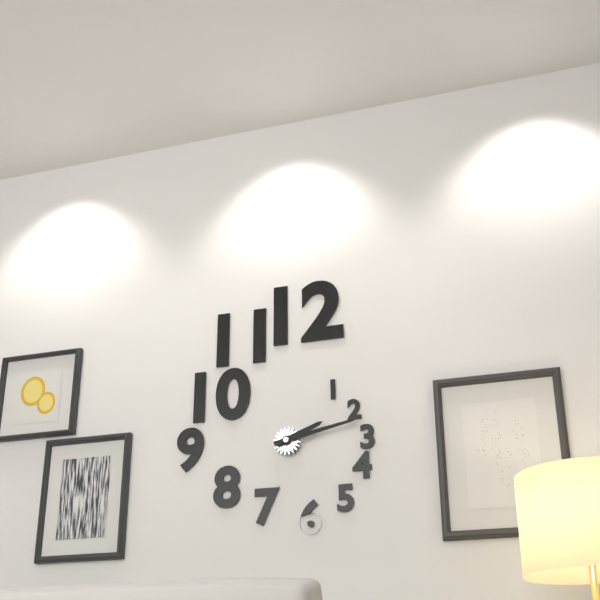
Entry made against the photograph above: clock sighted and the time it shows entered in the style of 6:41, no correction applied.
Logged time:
2:13
